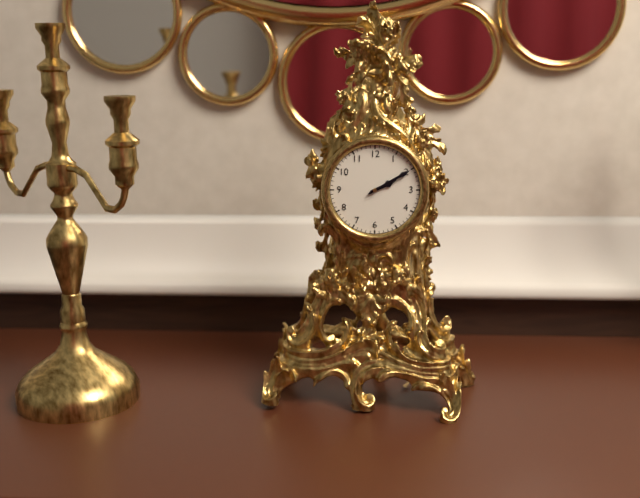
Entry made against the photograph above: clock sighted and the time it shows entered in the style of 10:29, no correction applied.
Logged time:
2:10
